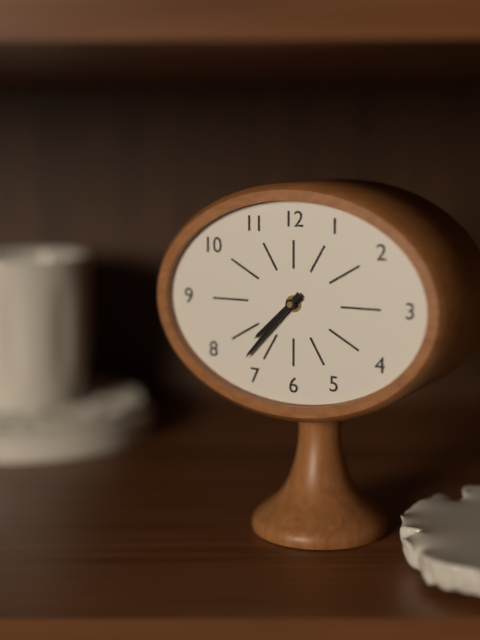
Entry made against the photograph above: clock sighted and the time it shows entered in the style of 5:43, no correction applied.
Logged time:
7:37
